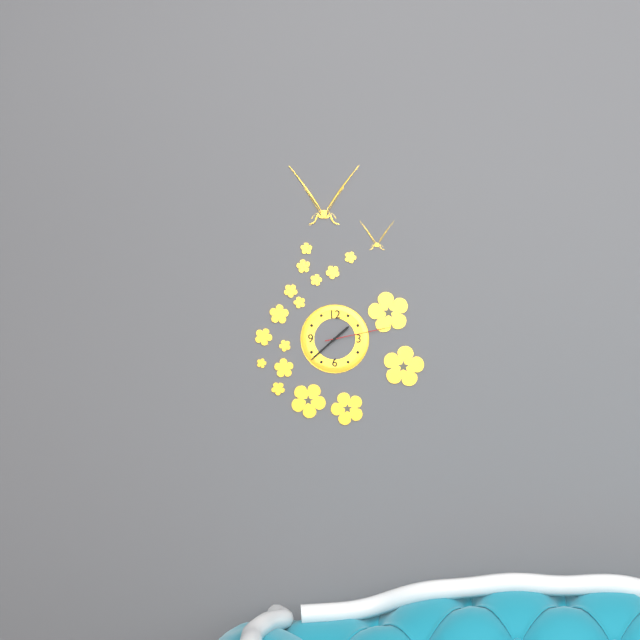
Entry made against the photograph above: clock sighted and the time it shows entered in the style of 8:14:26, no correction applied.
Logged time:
1:38:13
